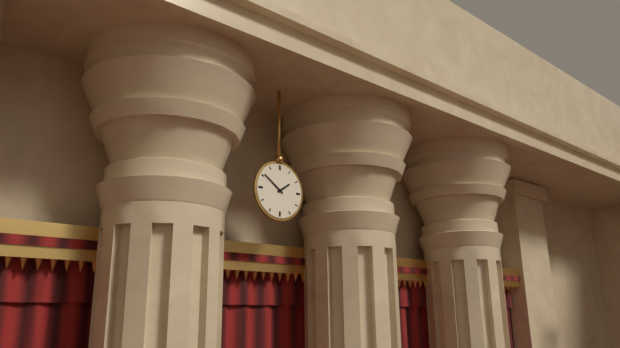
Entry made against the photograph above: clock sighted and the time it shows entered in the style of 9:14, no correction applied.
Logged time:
1:51
